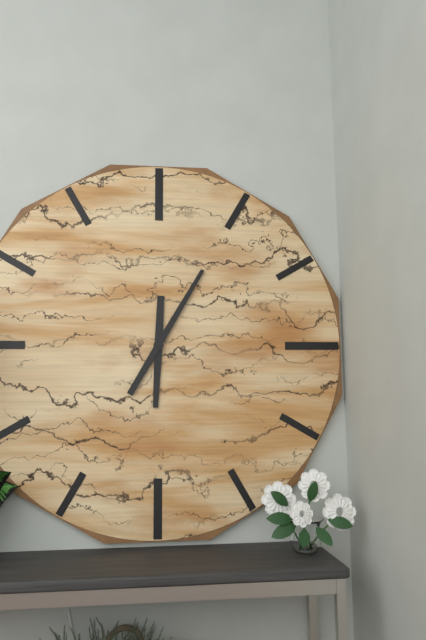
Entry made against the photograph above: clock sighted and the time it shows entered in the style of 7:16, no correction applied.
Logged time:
6:05
